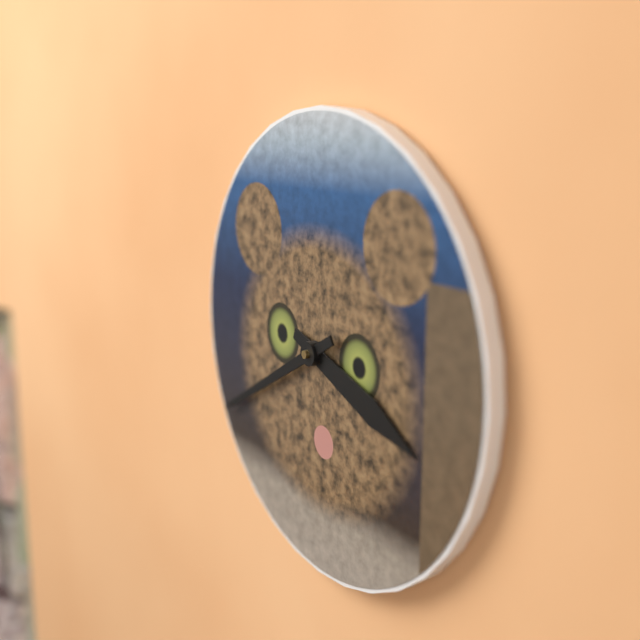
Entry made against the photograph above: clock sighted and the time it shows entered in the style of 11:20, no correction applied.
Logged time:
3:40
